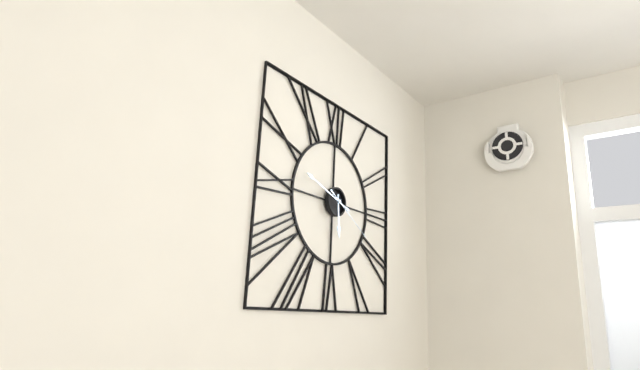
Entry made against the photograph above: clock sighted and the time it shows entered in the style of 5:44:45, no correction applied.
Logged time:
5:48:20
